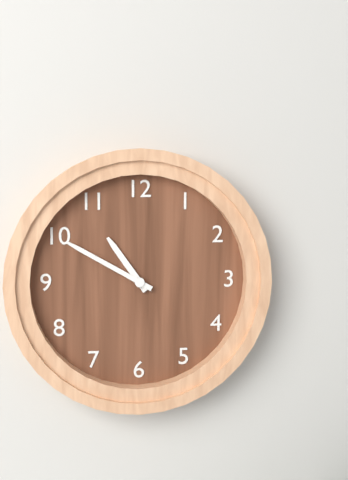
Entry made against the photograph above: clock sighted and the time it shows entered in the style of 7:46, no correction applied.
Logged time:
10:50
